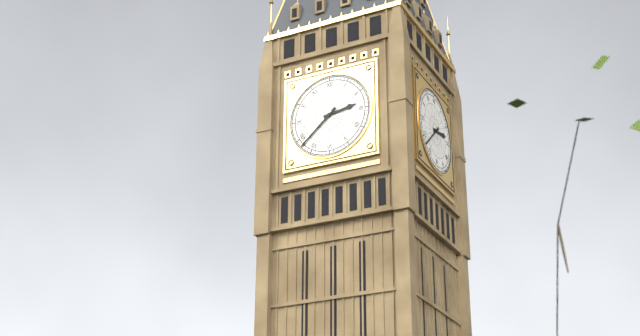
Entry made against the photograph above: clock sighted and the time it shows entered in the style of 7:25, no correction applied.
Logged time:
2:38
